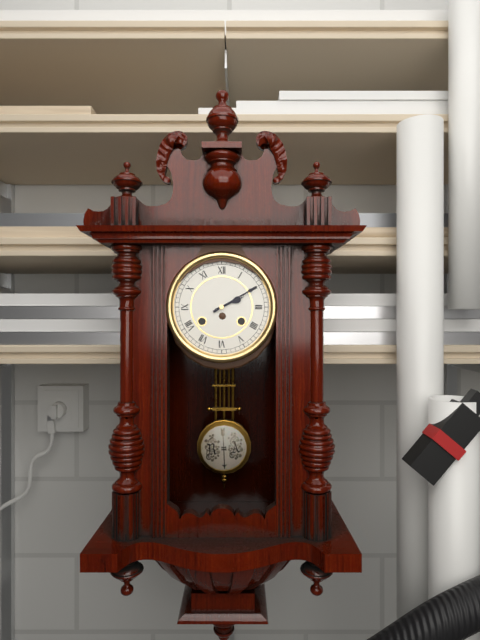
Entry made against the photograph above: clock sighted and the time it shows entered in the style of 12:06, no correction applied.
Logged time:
2:10
